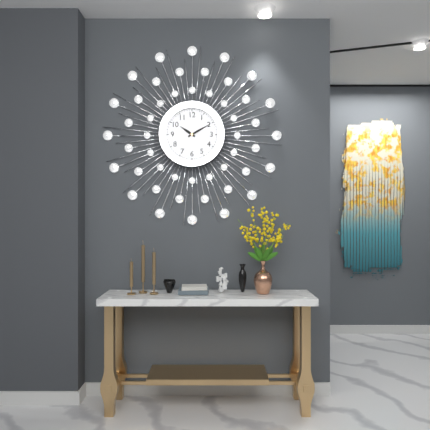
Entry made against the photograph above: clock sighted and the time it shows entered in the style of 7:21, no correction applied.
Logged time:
10:10
